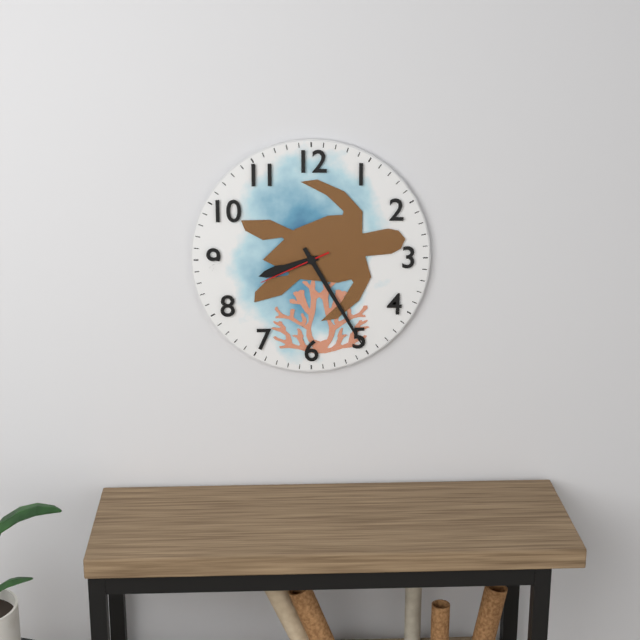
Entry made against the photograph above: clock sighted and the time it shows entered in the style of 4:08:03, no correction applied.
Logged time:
8:25:41
